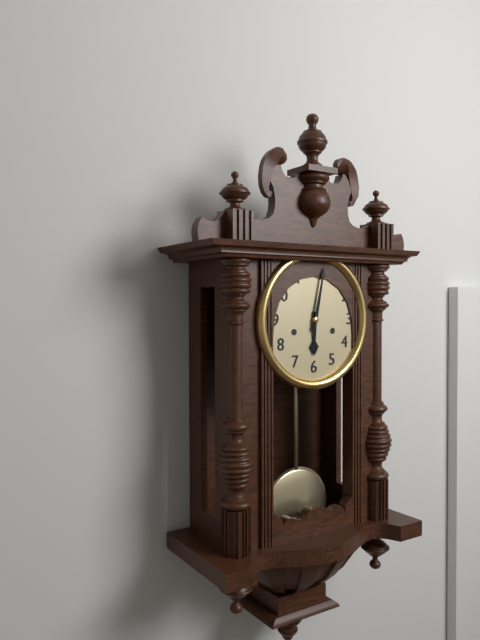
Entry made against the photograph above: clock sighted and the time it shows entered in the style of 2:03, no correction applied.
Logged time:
6:02
